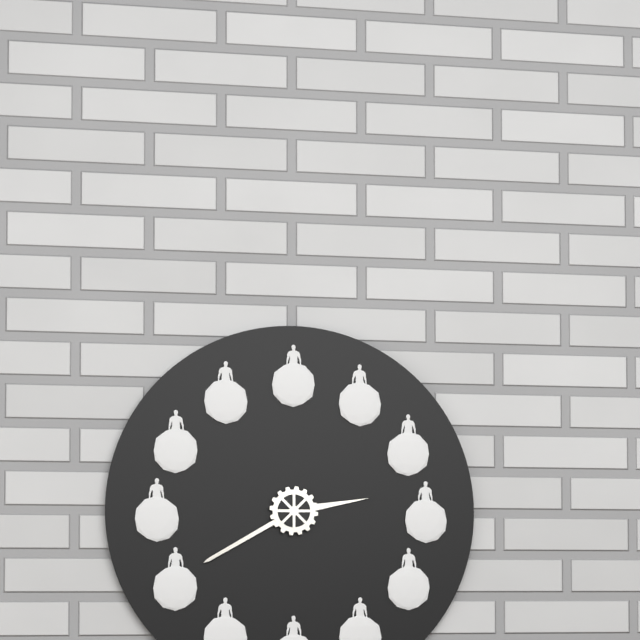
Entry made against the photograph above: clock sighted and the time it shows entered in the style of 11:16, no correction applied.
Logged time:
2:40
